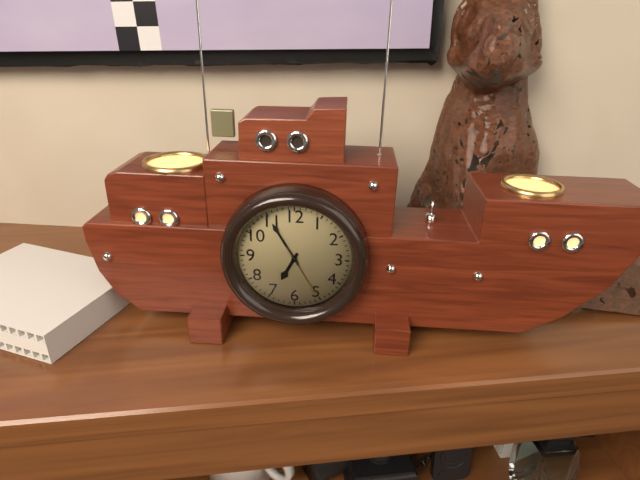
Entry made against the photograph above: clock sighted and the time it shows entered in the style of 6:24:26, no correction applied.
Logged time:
6:55:25
